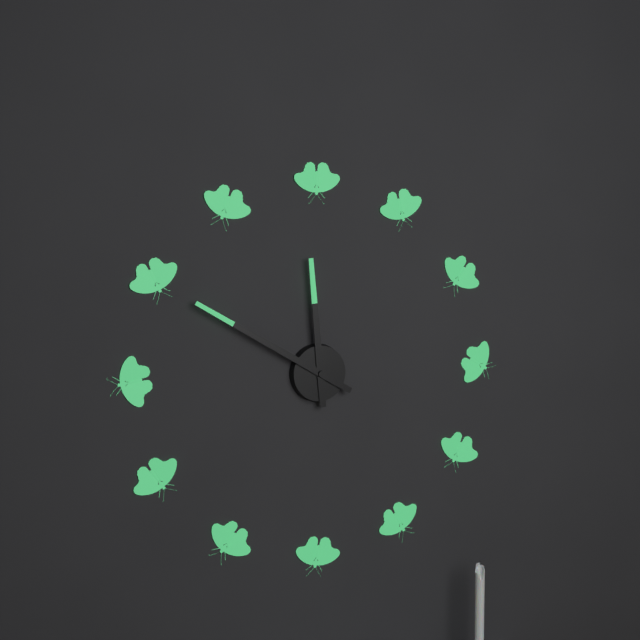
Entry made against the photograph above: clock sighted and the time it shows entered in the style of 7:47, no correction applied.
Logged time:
11:50
